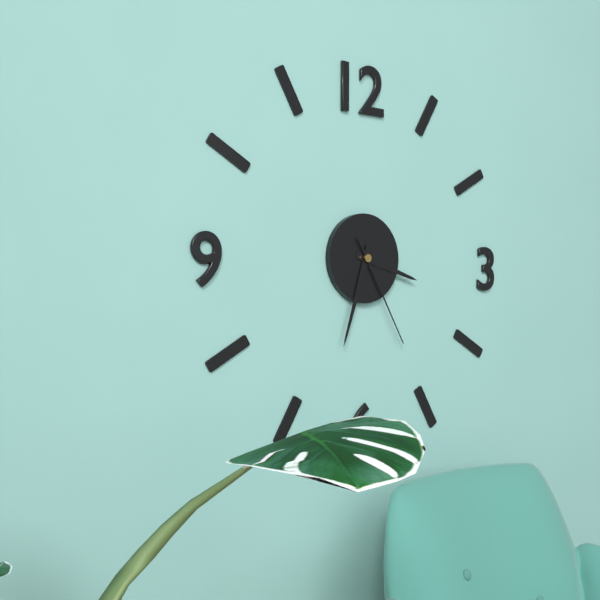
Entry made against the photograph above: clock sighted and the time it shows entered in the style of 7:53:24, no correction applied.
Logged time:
3:33:25
